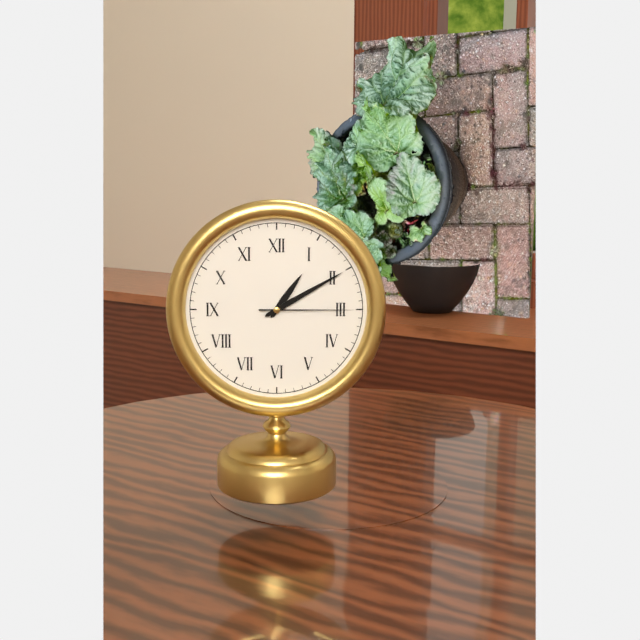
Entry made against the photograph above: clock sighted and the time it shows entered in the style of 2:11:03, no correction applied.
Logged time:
1:10:15
